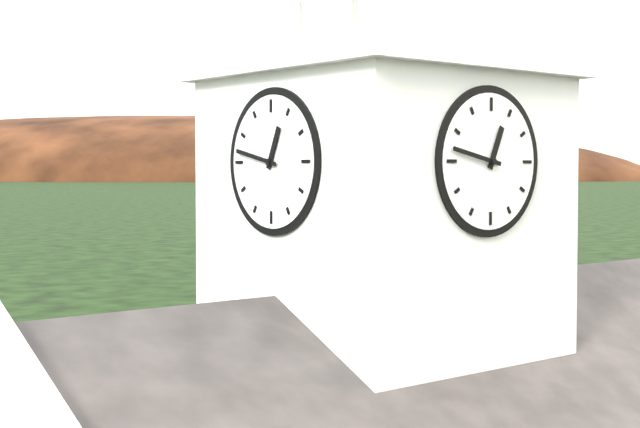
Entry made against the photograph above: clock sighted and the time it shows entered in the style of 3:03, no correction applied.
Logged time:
12:47
